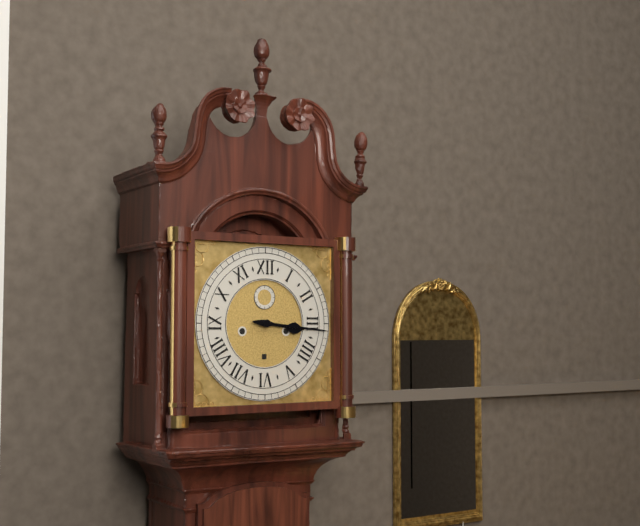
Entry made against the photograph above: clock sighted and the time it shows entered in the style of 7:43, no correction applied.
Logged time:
3:16
